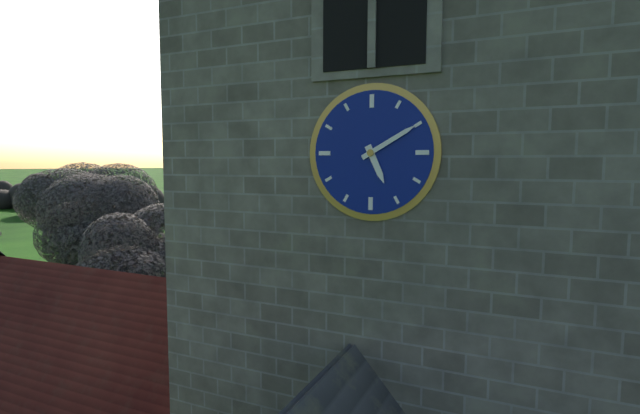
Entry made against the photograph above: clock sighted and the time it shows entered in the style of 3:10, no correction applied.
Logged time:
5:10
